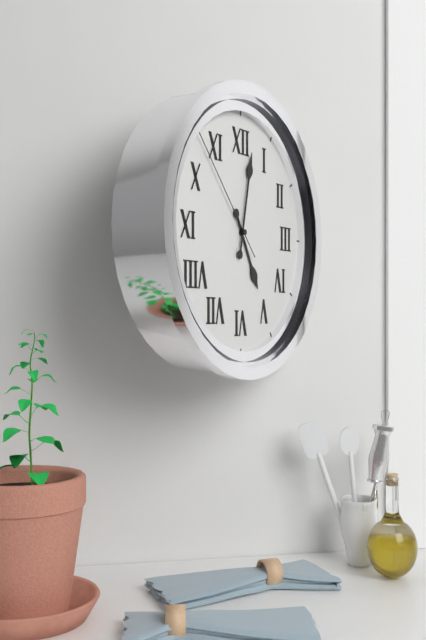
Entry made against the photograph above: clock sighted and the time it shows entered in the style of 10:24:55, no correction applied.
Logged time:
5:02:53
